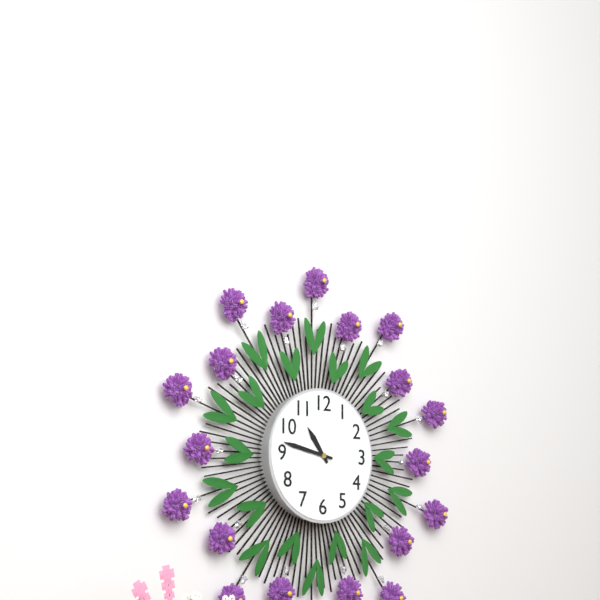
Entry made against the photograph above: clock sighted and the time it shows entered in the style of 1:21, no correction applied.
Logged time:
10:47
